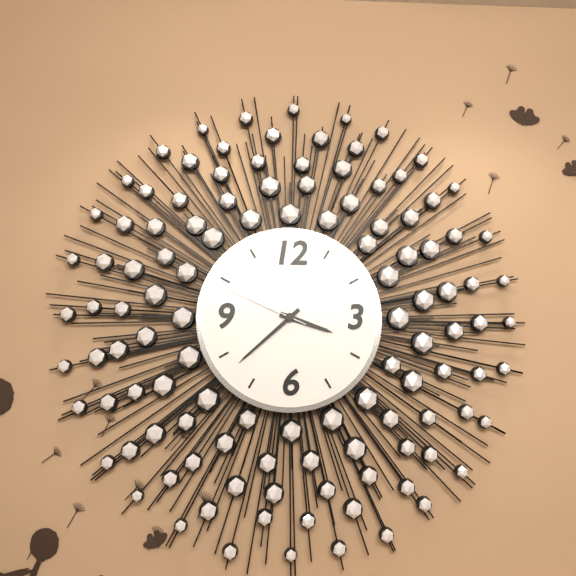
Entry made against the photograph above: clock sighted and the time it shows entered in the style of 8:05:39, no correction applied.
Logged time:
3:38:49
